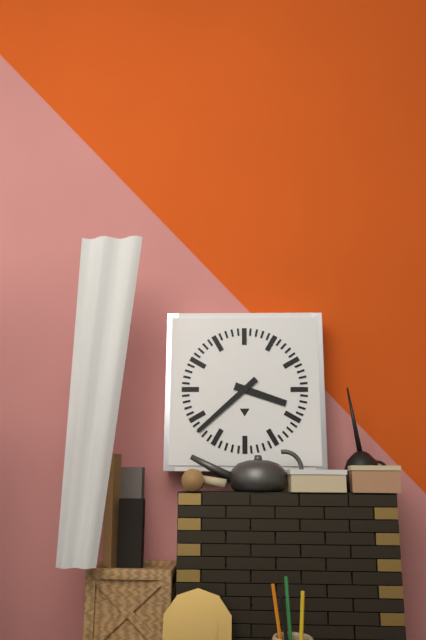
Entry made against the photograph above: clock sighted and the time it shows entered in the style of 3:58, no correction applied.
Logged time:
3:38
